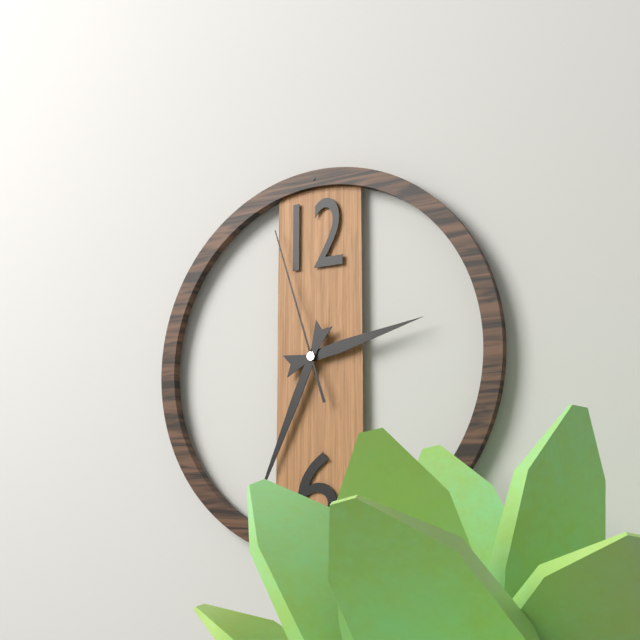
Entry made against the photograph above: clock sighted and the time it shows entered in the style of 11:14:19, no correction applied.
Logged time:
2:34:57
